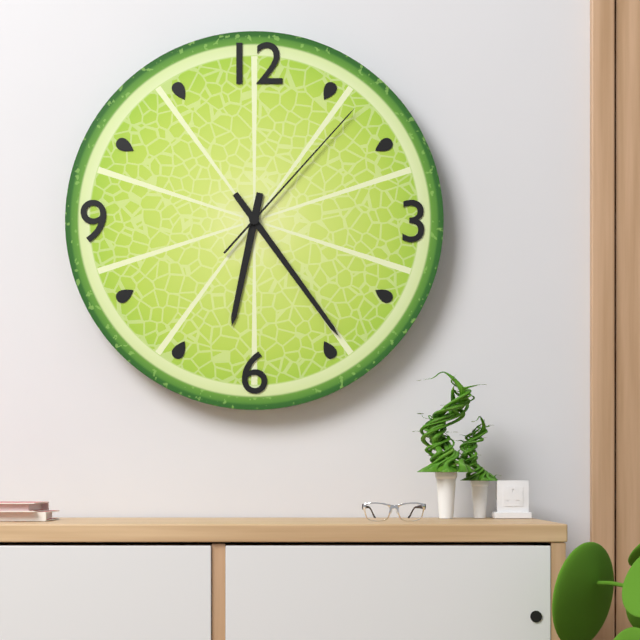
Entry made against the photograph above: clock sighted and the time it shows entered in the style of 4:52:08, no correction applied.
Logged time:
6:24:07
